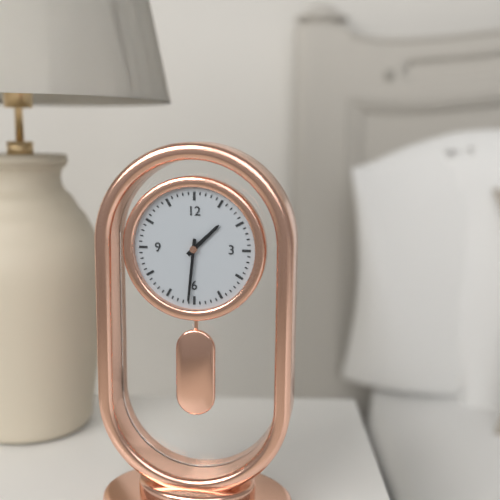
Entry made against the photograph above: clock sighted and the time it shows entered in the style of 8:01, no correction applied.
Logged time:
1:31
